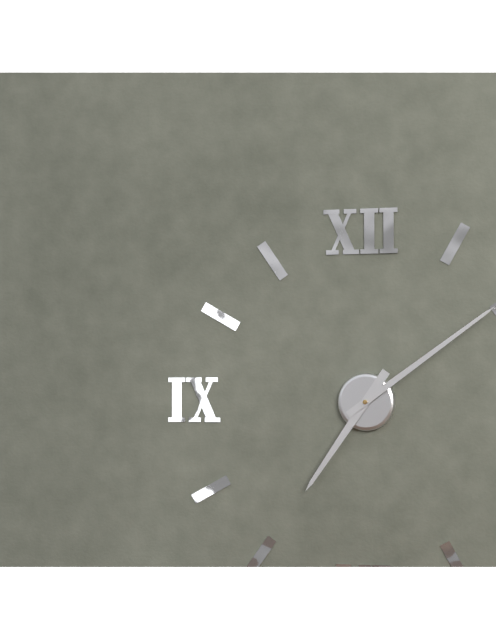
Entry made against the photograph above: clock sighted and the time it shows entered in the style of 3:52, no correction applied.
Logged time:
7:09
